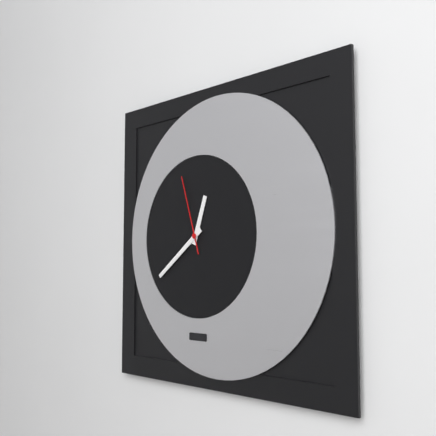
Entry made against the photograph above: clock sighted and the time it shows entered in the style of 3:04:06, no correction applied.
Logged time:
12:39:57
